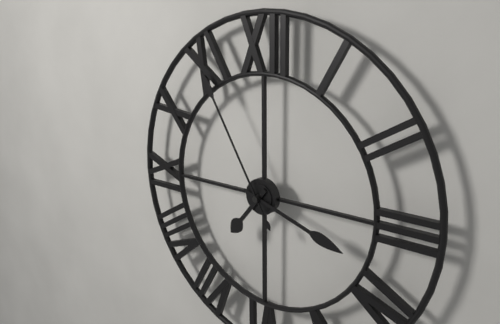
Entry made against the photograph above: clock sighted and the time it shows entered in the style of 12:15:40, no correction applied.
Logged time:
7:18:55
